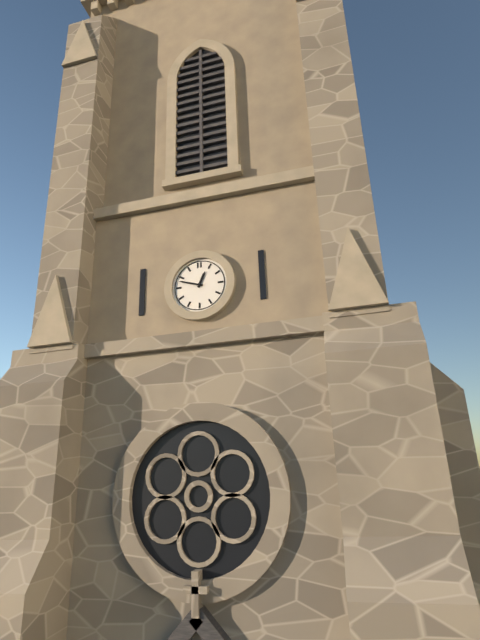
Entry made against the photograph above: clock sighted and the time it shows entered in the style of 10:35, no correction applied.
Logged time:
12:48
